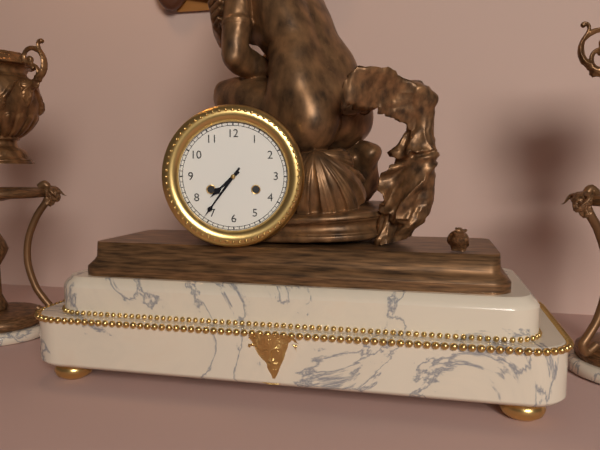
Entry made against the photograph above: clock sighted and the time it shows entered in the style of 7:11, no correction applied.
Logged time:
7:36
